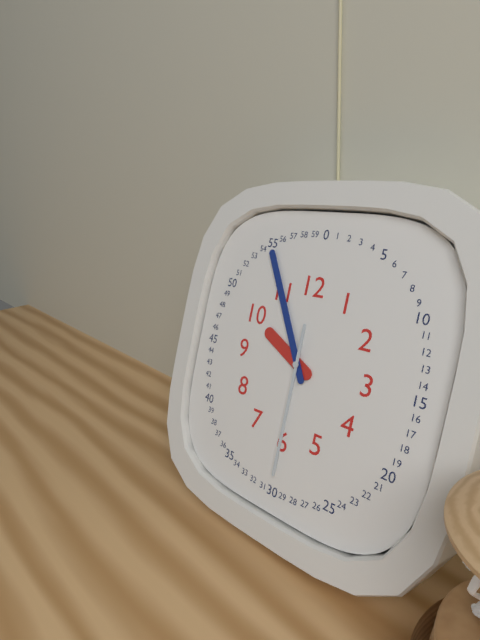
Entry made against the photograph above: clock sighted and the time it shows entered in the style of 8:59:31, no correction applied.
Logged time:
9:55:30
